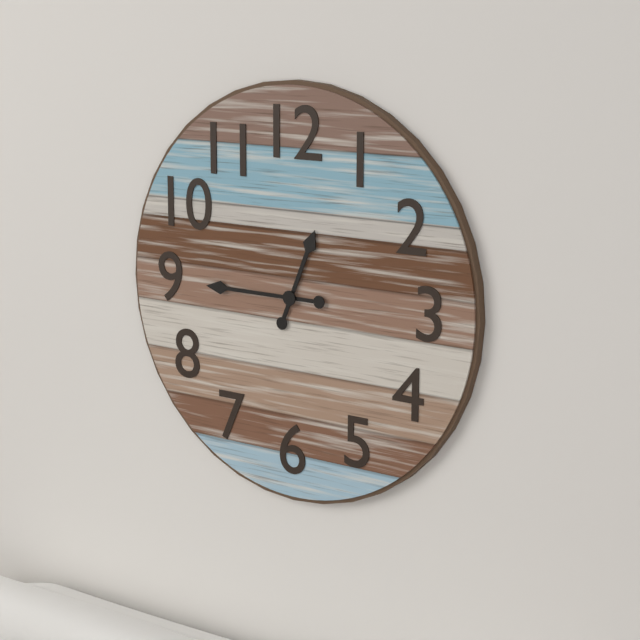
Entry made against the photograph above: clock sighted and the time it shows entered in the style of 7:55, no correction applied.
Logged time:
12:45
